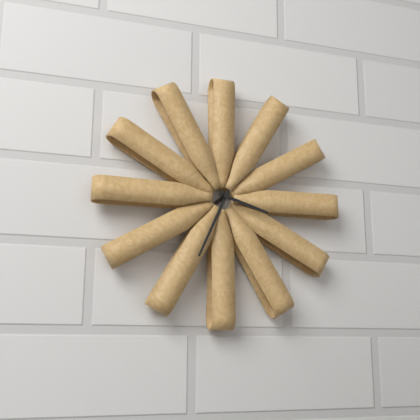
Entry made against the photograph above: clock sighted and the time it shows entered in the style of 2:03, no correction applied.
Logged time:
3:34
